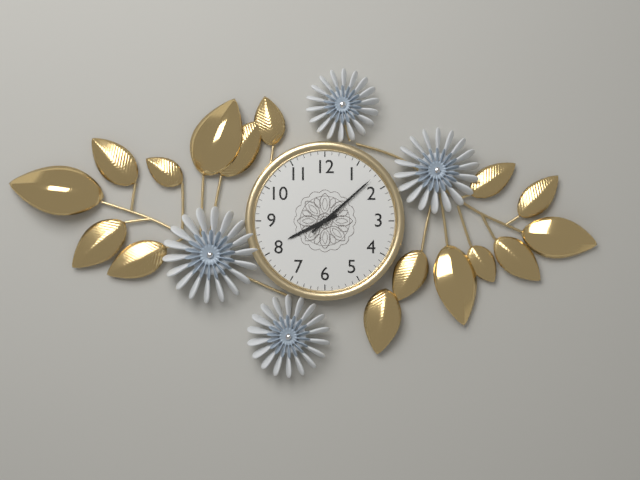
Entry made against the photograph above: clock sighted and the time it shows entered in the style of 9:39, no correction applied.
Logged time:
8:08
